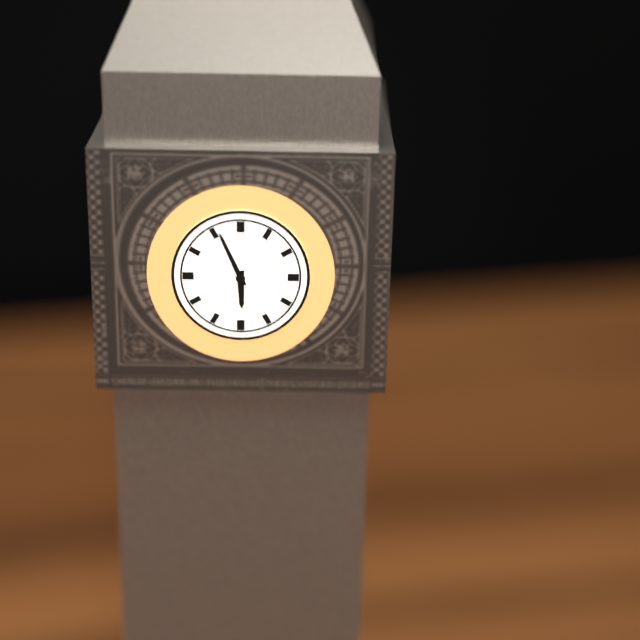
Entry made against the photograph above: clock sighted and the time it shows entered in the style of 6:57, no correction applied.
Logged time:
5:56
